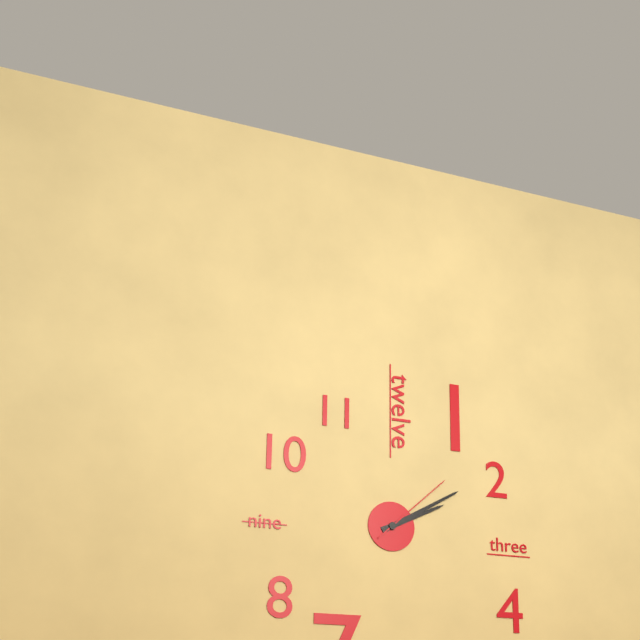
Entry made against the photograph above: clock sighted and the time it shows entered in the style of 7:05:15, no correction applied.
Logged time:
2:10:08
